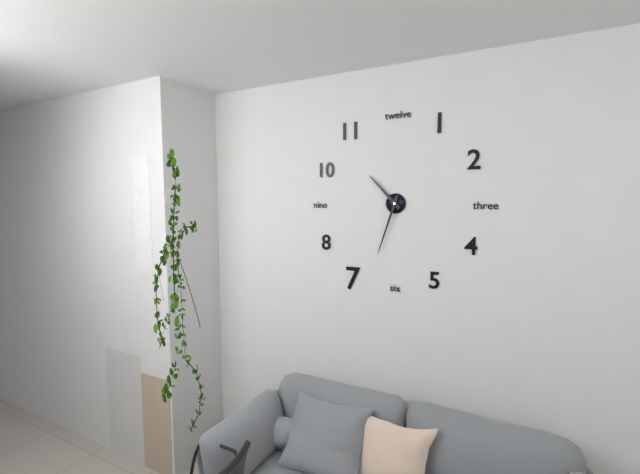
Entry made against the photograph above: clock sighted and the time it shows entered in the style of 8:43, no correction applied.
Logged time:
10:33
